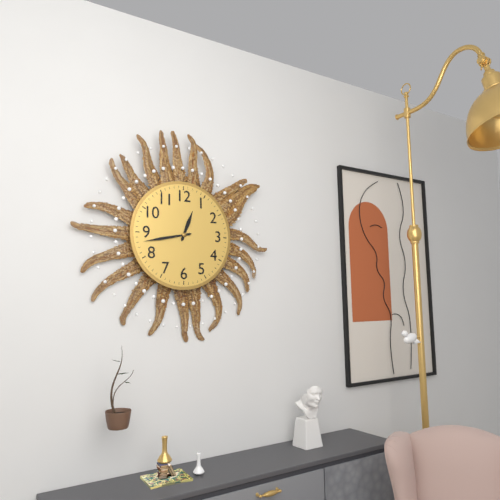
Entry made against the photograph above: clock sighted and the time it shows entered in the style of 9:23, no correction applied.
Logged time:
12:43
